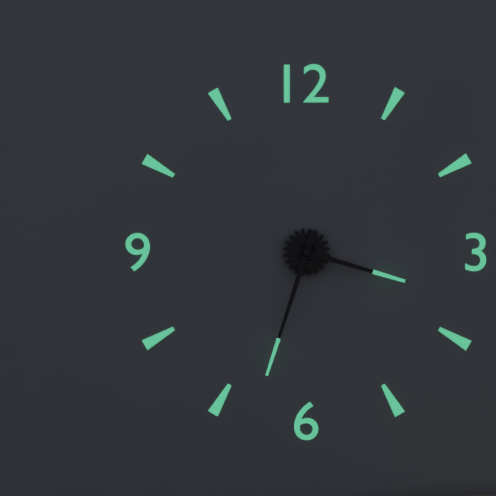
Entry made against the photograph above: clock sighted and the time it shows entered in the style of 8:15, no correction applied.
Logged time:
3:33
